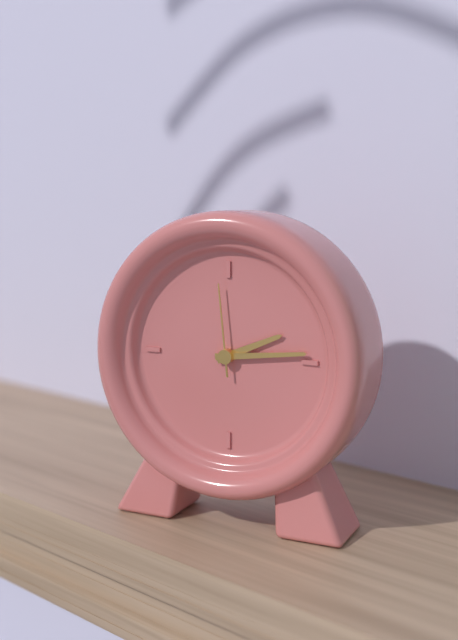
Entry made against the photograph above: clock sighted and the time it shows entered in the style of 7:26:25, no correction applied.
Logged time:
2:14:59
